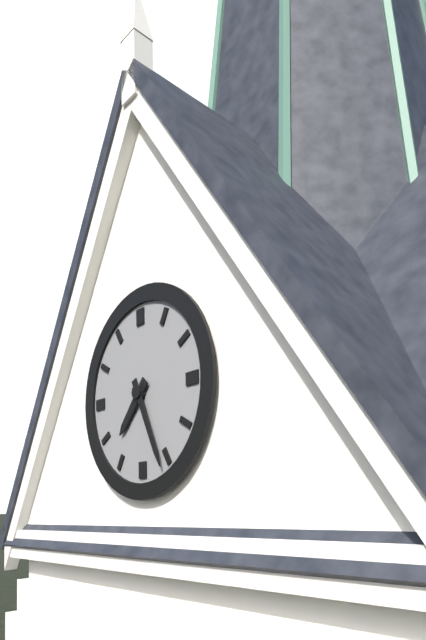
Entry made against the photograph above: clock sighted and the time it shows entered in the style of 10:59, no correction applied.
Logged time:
7:26
